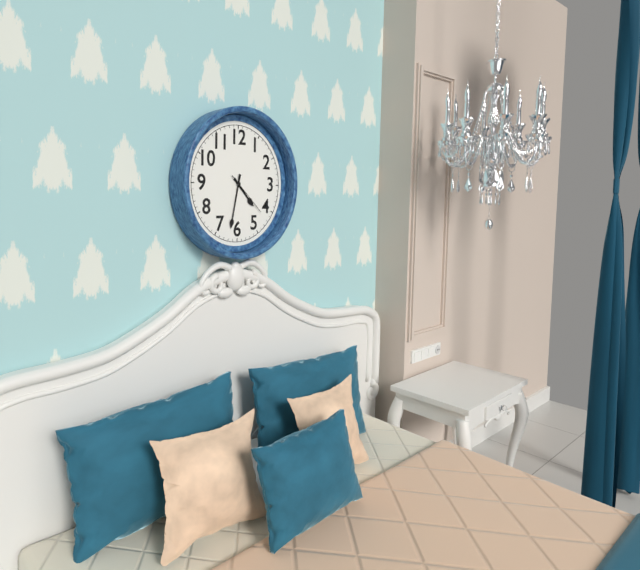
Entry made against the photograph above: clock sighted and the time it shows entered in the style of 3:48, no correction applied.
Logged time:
4:32
